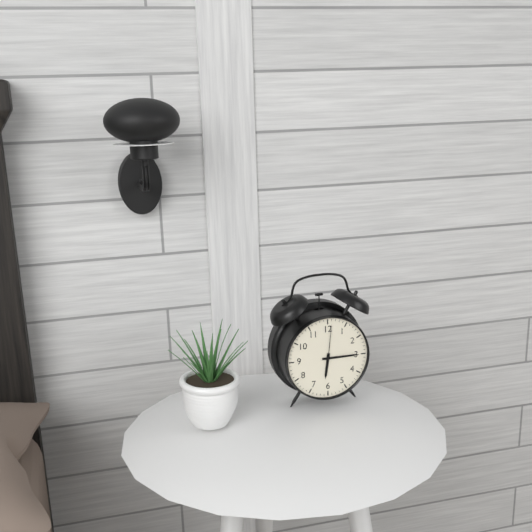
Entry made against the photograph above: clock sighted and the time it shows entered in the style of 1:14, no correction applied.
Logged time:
6:15
